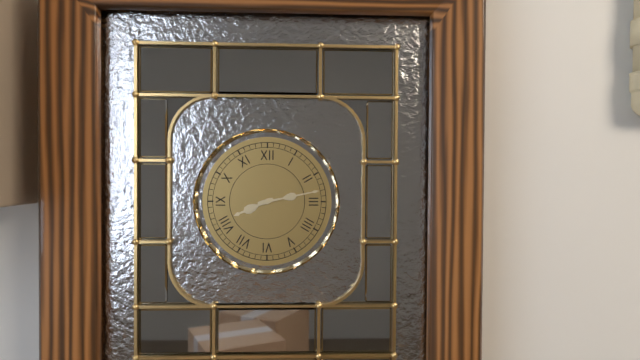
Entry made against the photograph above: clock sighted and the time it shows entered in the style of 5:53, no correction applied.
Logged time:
8:13
